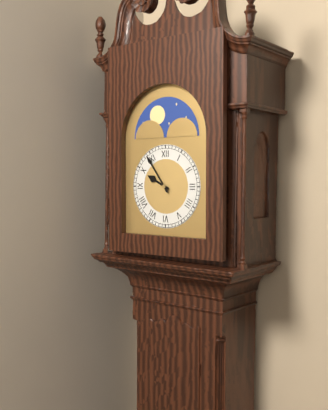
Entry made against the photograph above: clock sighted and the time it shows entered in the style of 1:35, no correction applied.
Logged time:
9:54
